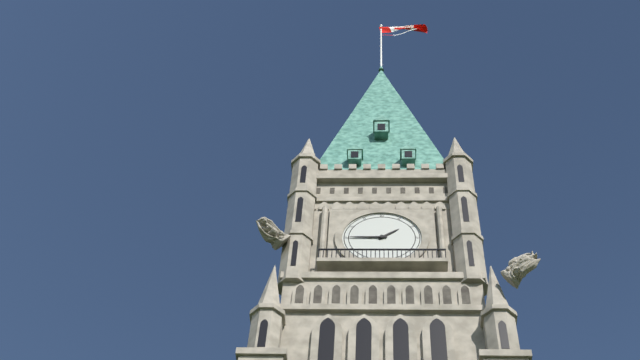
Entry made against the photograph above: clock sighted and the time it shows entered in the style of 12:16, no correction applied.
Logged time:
1:45
